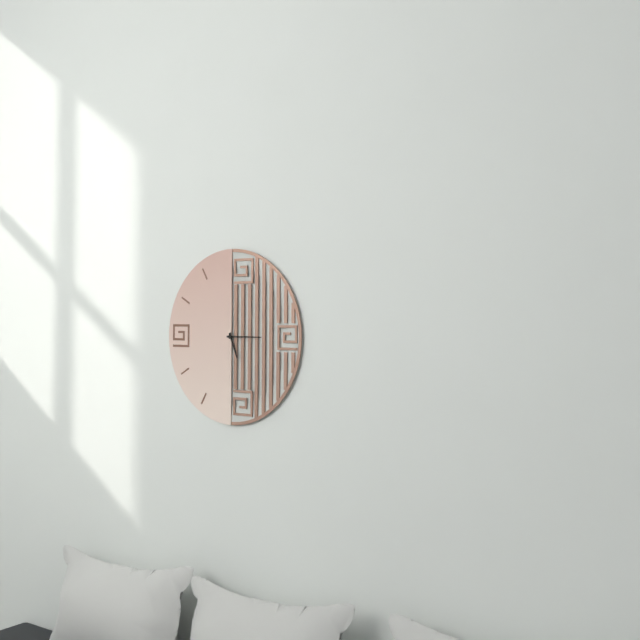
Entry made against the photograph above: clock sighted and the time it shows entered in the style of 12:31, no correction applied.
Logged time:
5:15
